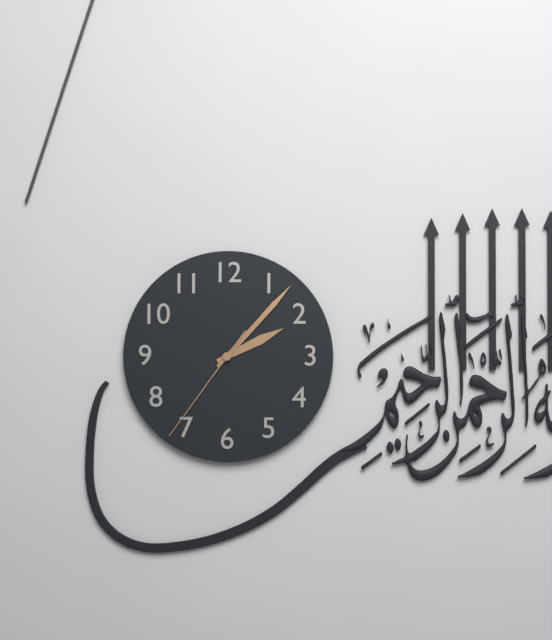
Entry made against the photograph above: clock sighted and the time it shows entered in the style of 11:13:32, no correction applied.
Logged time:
2:07:36
